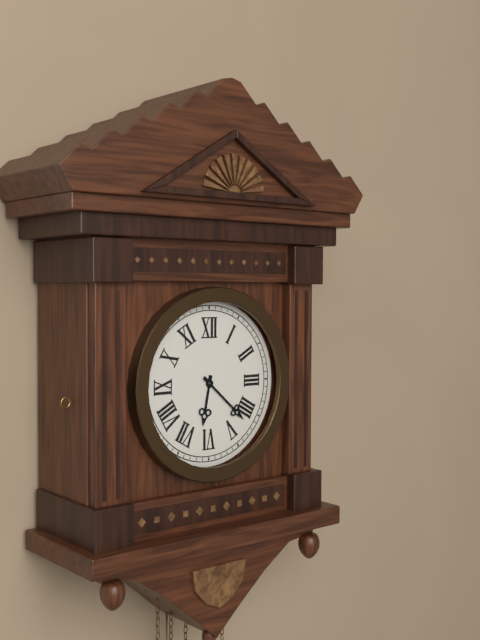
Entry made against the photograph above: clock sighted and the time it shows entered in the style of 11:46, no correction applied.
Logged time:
6:22
